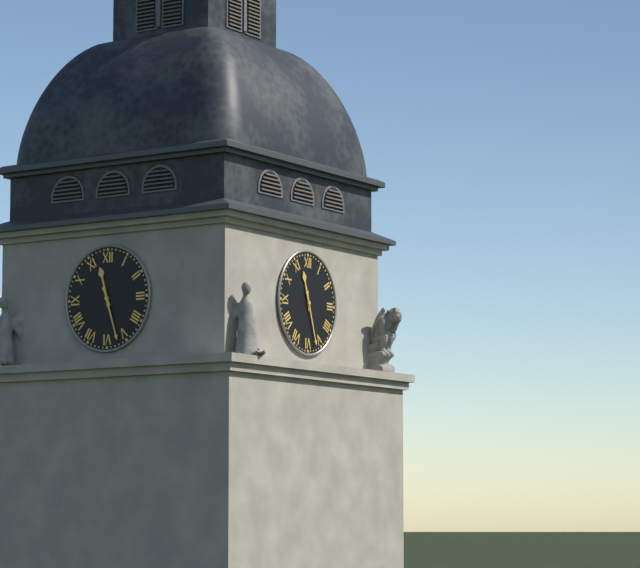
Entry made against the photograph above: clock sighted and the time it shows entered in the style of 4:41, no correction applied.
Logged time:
11:27
